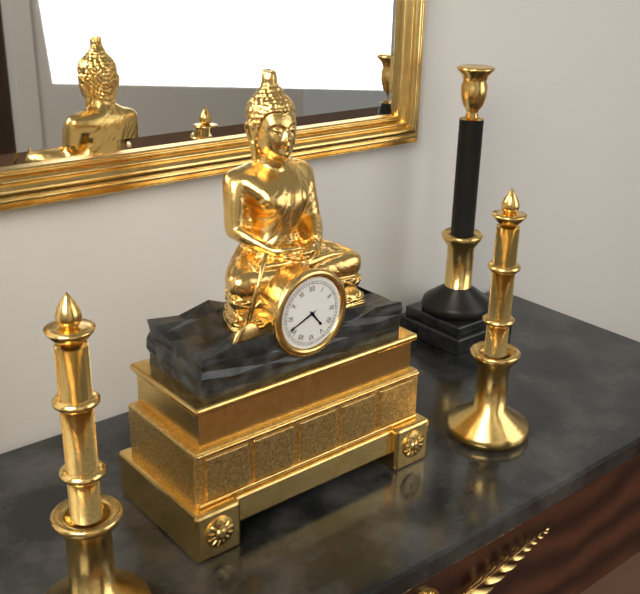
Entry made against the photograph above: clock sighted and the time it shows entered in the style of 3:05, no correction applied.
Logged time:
4:41
